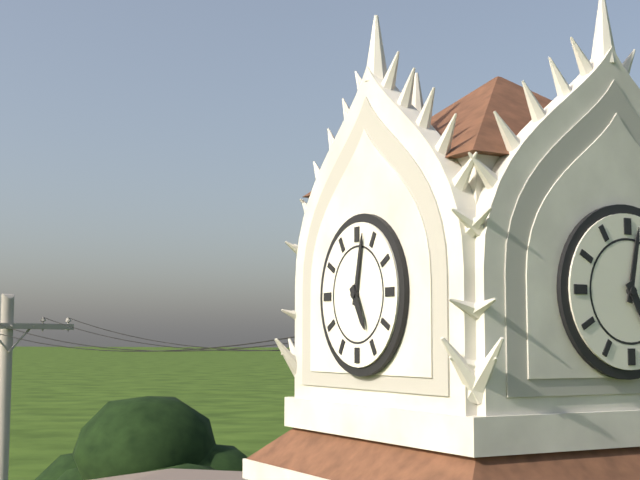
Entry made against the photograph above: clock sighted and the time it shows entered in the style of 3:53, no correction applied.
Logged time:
5:02
